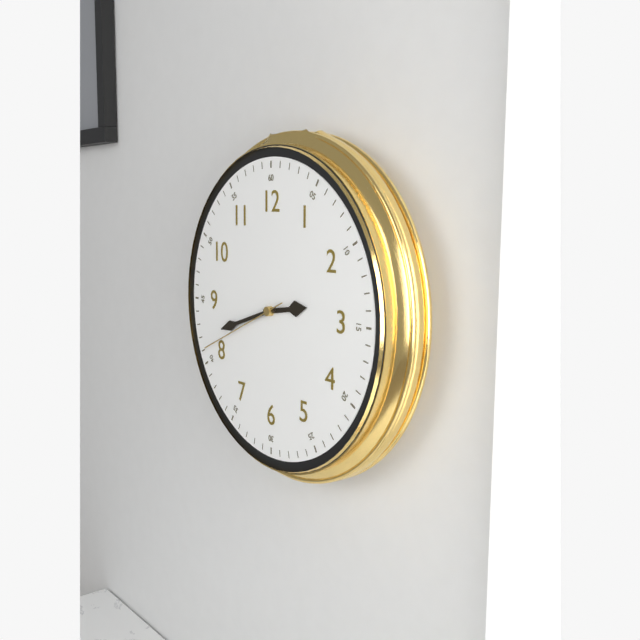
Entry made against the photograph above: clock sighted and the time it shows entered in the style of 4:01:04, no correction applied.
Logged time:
2:42:41
